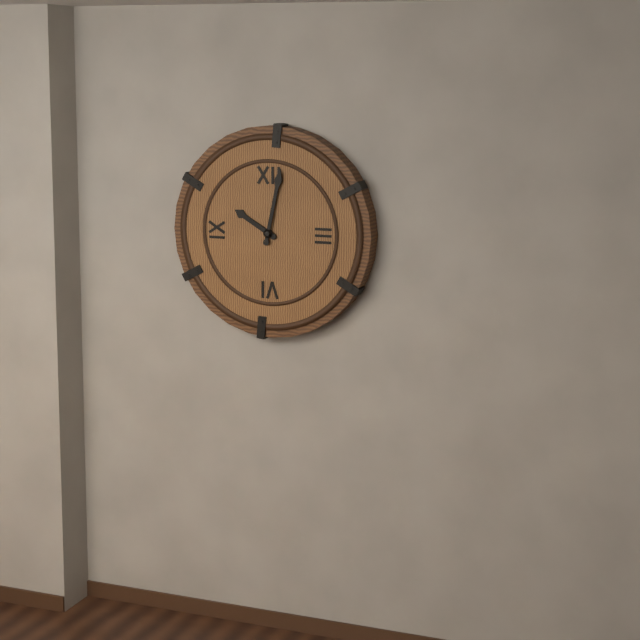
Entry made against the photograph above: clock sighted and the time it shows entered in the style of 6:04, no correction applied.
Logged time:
10:02
